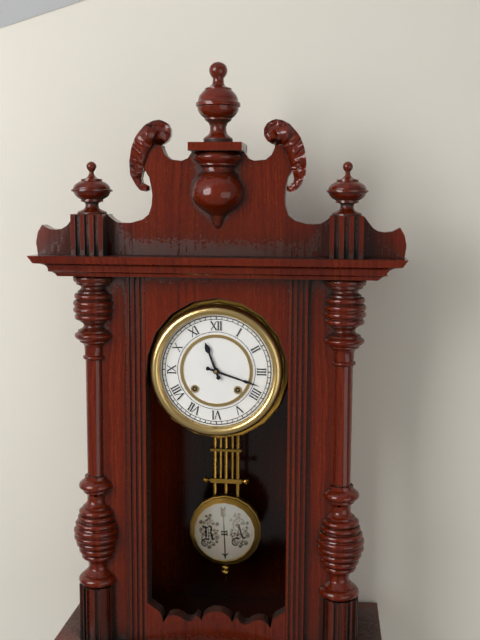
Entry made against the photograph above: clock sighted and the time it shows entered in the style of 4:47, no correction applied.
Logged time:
11:18
